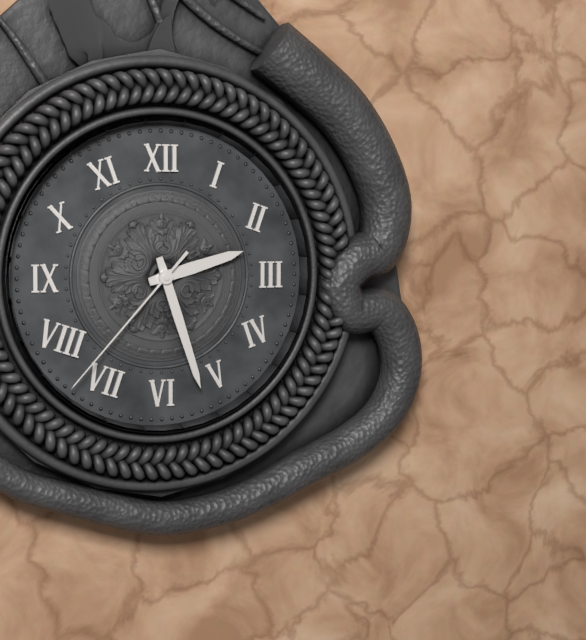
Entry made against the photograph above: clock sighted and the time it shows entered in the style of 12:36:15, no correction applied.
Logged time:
2:27:37
